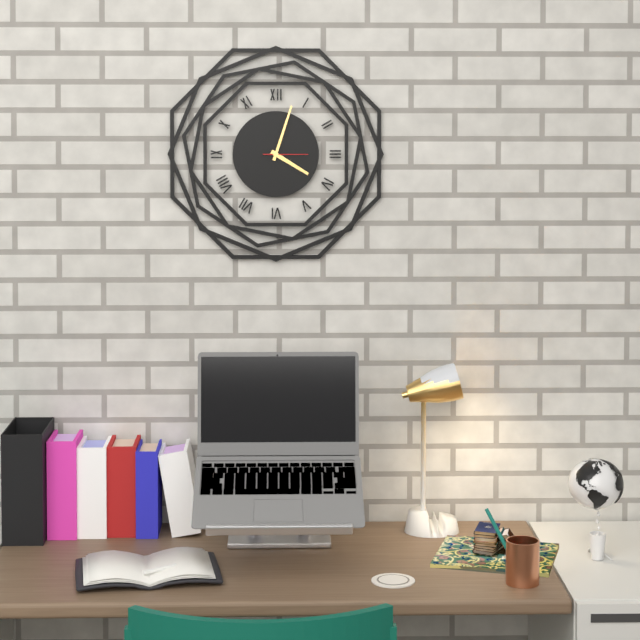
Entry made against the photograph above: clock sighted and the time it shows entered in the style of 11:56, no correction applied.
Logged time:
4:03
